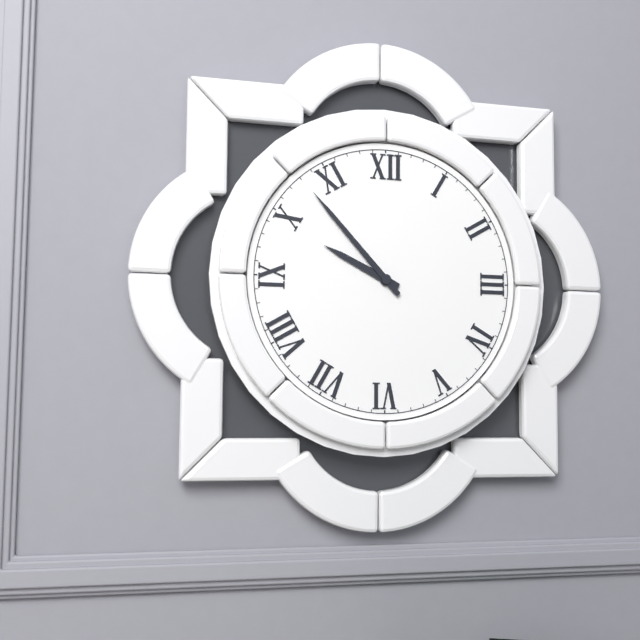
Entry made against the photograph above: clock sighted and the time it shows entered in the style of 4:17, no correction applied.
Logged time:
9:53
